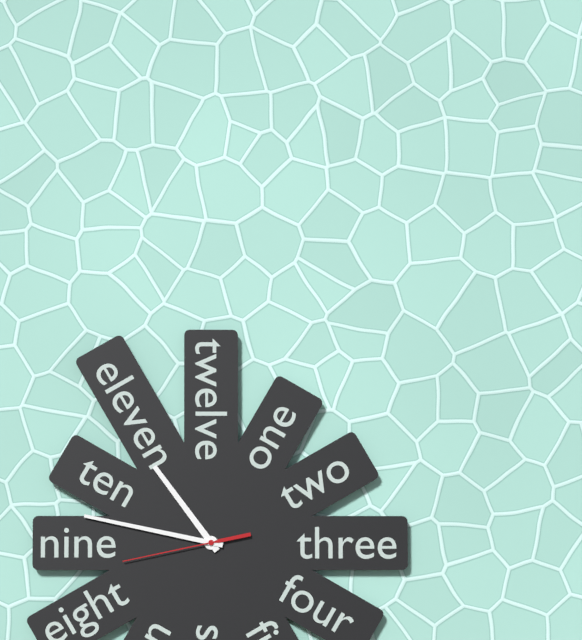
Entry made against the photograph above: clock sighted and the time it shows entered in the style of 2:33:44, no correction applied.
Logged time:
10:47:43
